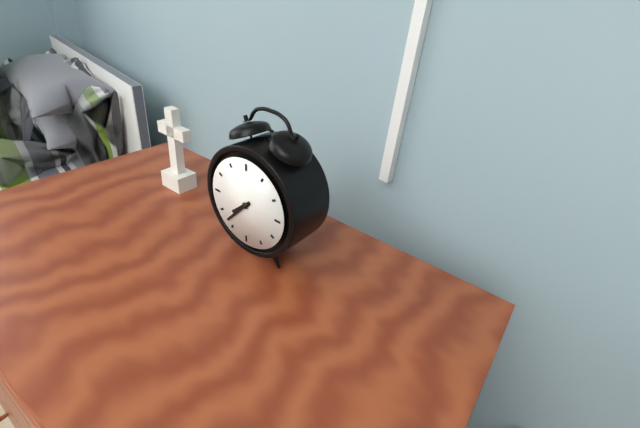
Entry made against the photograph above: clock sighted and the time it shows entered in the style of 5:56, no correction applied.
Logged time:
7:37
